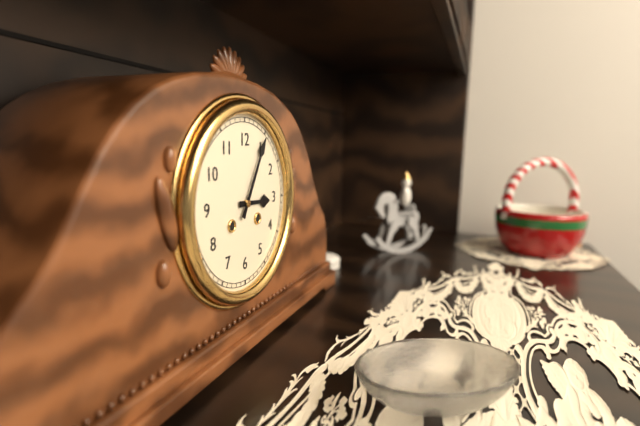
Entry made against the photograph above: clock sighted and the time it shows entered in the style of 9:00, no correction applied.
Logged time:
3:05
